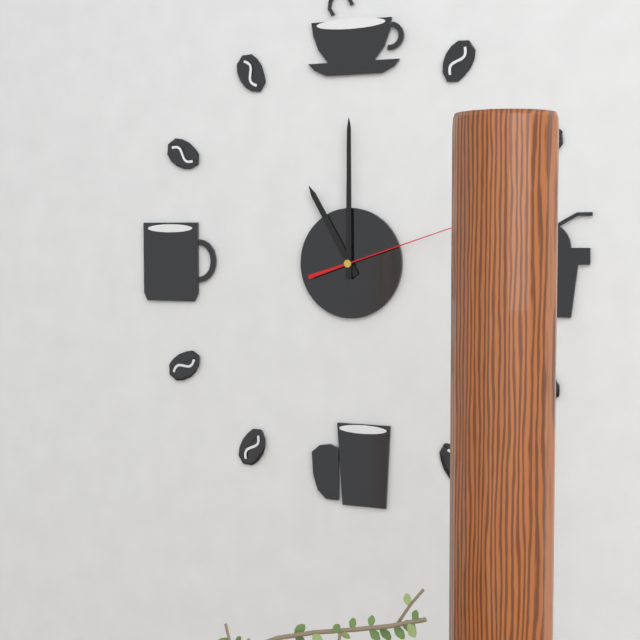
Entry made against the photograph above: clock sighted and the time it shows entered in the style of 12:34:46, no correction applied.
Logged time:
11:00:12
